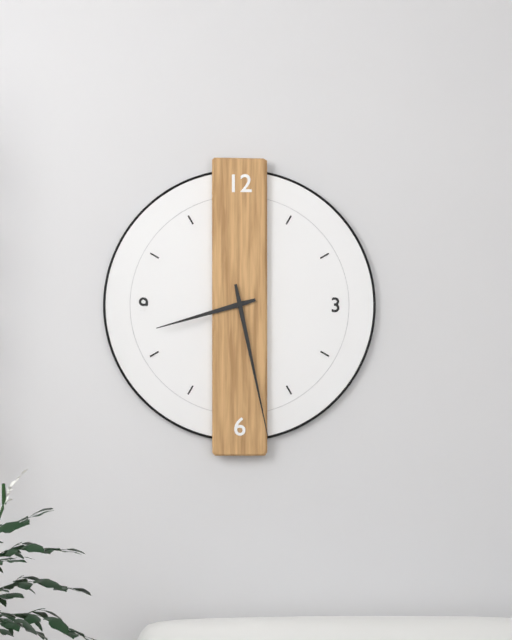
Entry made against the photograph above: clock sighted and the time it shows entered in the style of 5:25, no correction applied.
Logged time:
8:28
